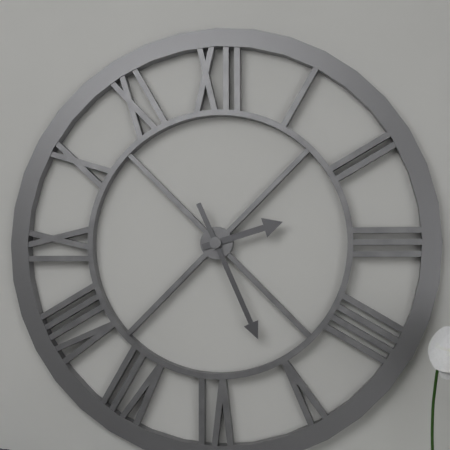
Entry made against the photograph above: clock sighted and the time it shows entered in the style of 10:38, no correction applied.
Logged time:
2:26
